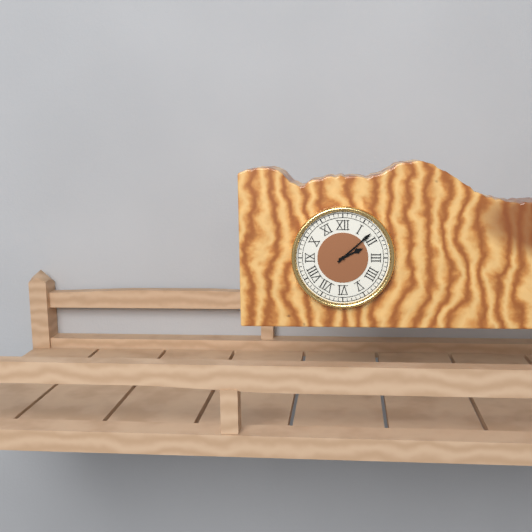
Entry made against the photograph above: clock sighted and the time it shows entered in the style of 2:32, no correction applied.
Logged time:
2:08
